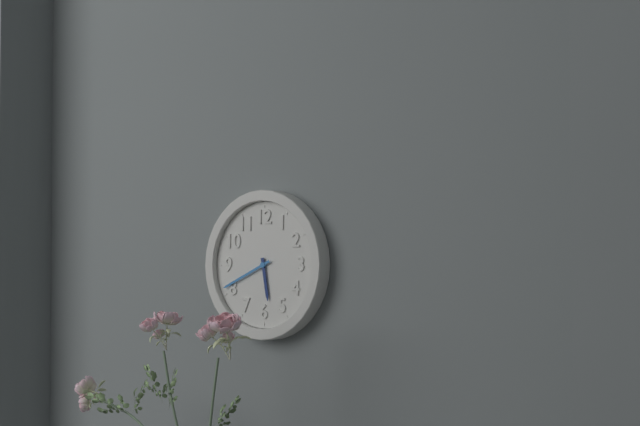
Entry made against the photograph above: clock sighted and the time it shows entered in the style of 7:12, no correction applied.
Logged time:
5:41
